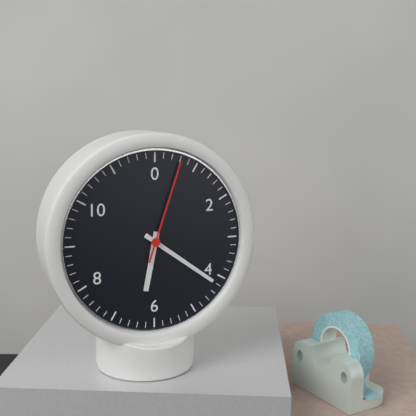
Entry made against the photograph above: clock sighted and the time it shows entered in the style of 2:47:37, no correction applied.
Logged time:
6:21:03
